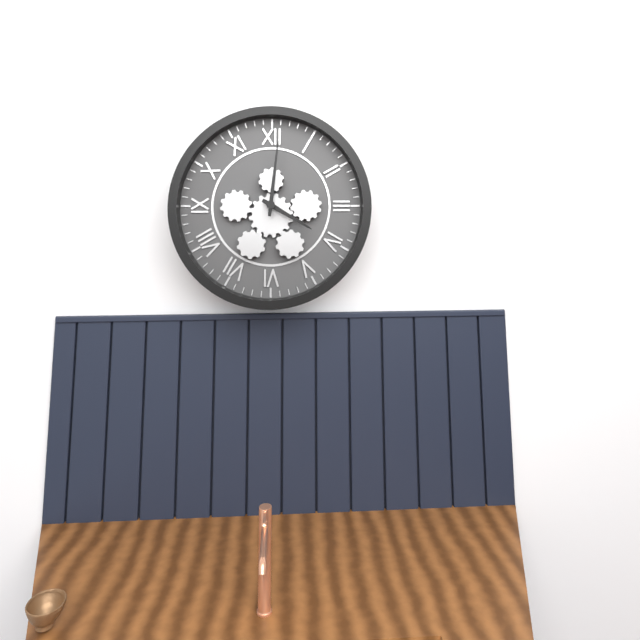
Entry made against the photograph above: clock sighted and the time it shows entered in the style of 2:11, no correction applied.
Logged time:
4:01
